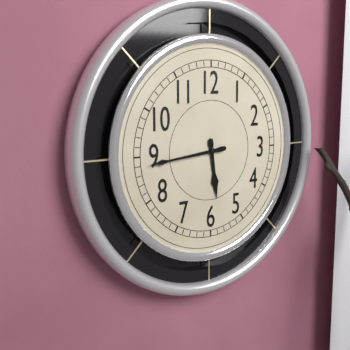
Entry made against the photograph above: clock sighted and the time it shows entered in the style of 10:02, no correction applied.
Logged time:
5:44
